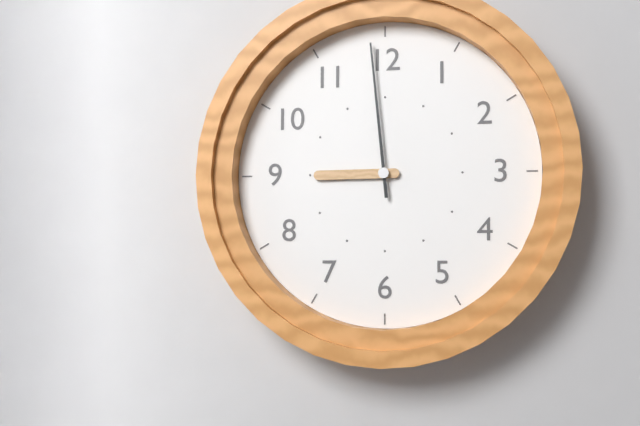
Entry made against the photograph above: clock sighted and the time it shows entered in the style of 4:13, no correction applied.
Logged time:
8:59
